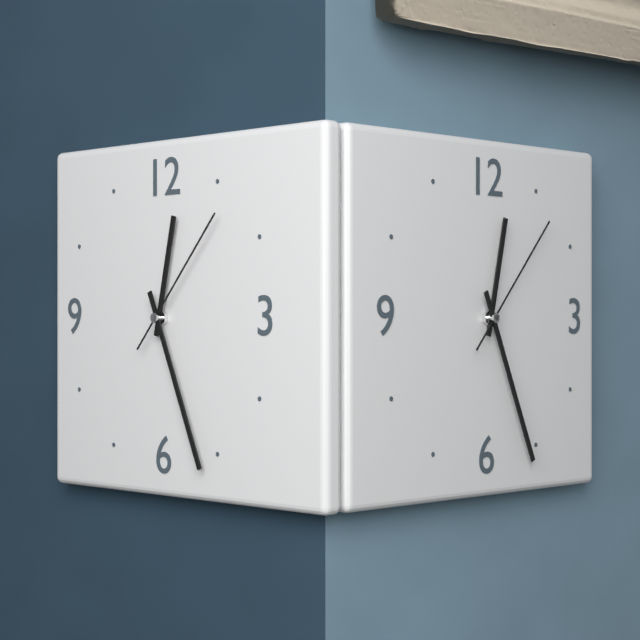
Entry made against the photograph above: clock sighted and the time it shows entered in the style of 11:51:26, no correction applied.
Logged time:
12:26:07
